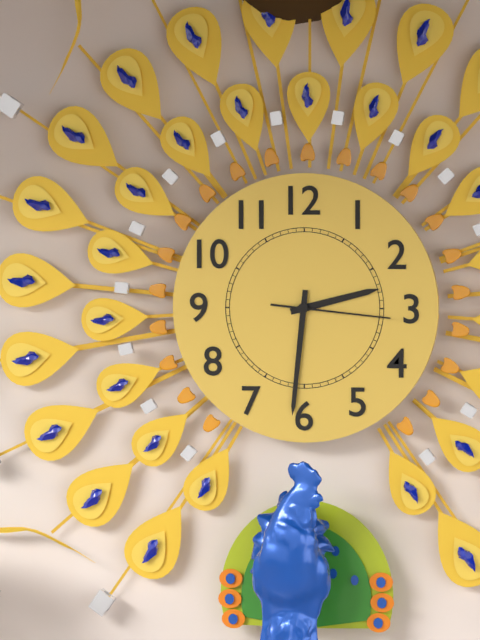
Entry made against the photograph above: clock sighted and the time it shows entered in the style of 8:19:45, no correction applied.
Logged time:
2:31:16
